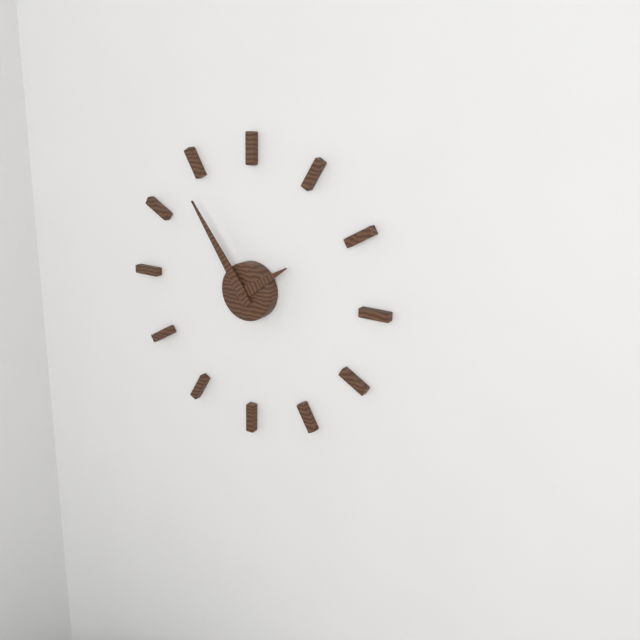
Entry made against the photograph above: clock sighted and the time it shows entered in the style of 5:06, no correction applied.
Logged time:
1:54
